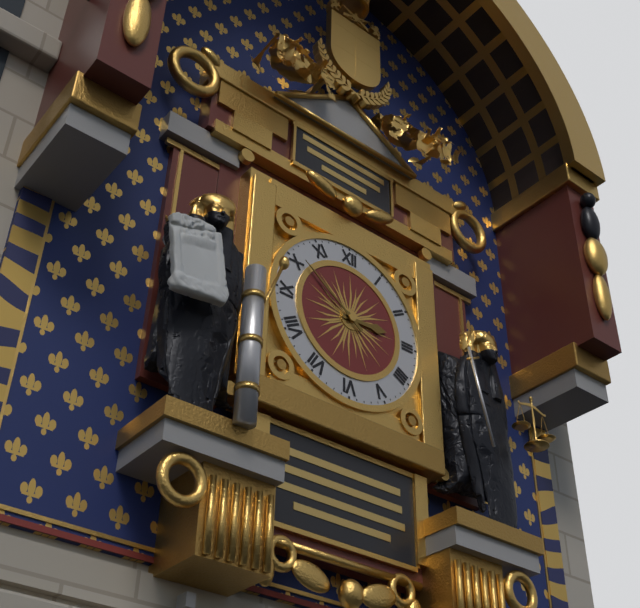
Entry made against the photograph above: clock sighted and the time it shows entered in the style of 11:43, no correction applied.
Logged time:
2:51
